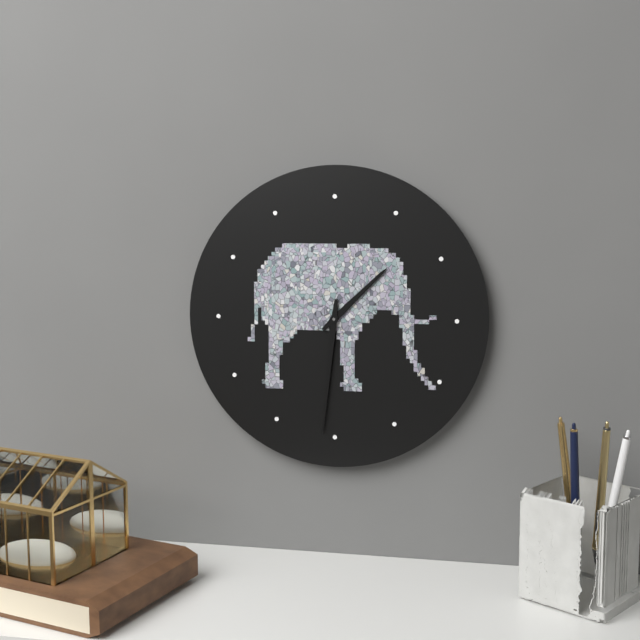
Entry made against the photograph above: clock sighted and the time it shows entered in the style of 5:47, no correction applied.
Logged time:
1:31
